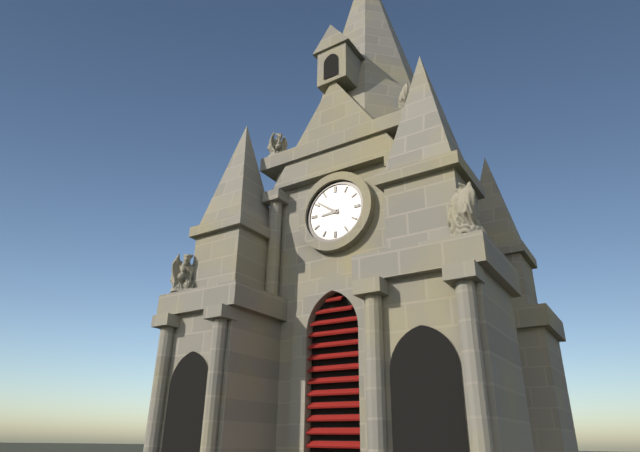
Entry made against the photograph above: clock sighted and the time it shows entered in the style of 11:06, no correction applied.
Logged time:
8:51
